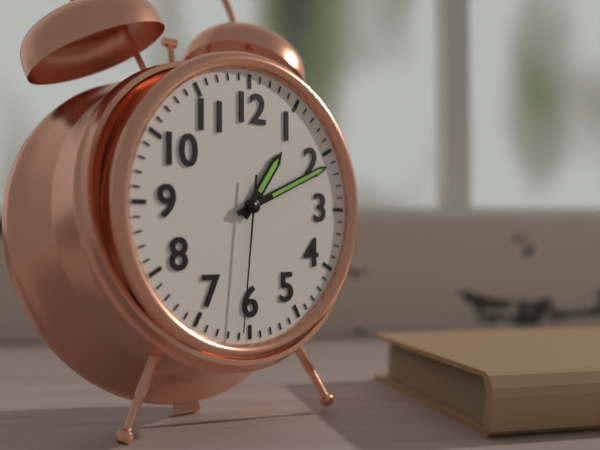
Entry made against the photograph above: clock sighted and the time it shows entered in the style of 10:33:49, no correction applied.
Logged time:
1:11:31
